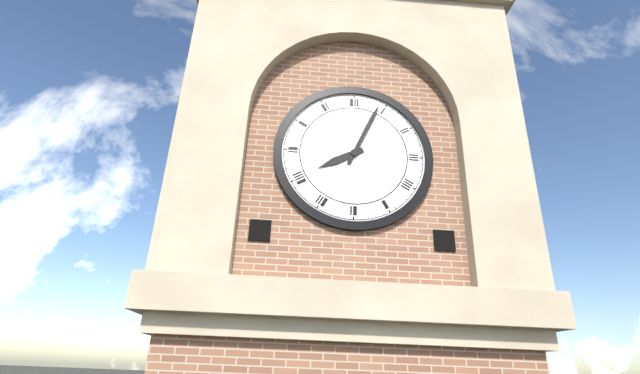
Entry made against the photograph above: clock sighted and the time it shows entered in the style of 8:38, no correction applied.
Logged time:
8:04
